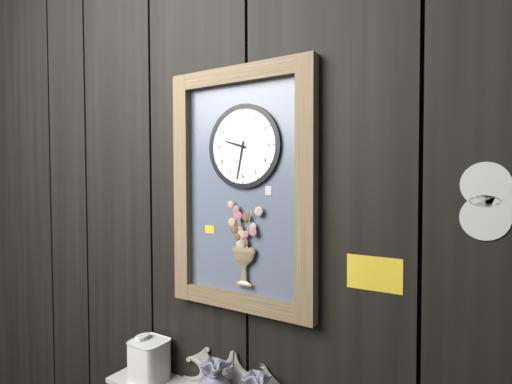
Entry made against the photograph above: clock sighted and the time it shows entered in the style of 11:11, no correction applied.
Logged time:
9:32
